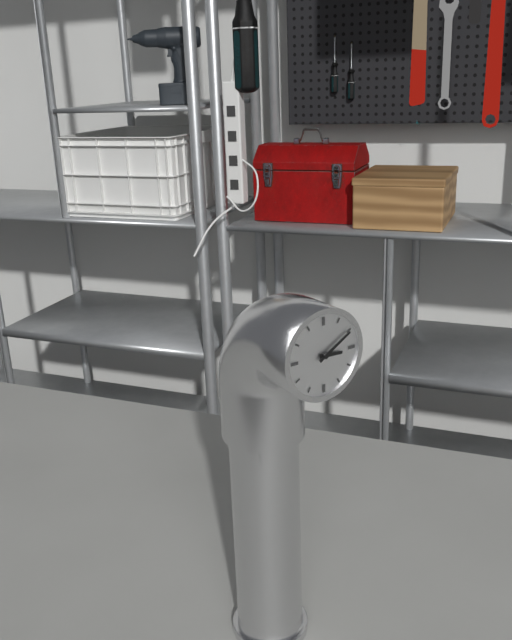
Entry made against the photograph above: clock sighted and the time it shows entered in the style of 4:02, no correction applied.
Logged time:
3:10
